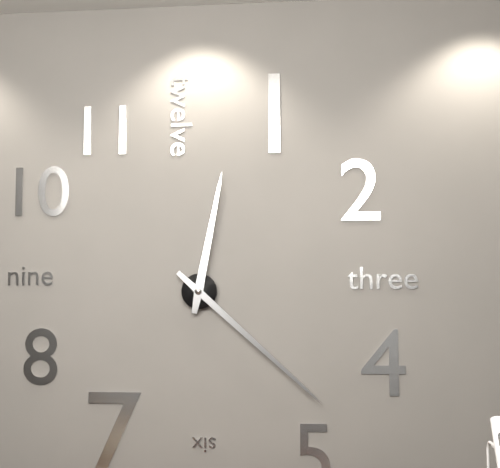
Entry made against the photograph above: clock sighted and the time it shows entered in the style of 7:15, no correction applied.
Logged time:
12:22
